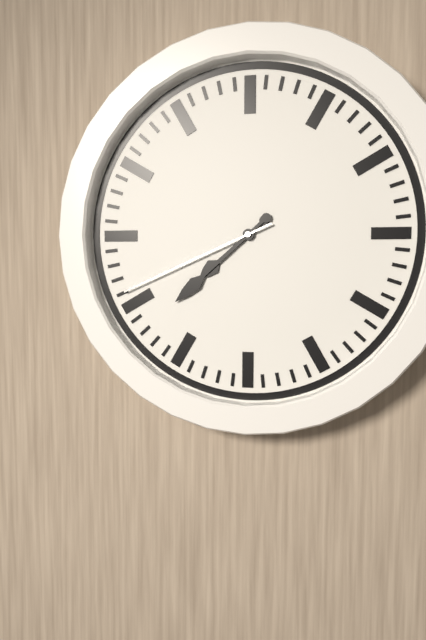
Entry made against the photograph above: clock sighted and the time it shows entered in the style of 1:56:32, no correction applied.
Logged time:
7:38:41
